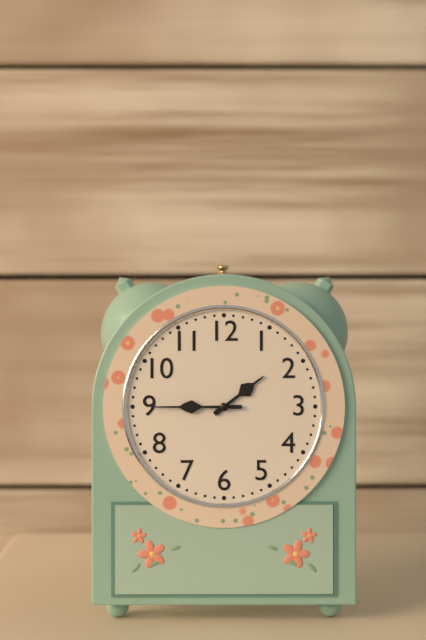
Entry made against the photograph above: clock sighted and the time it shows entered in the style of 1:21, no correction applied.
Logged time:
1:45
